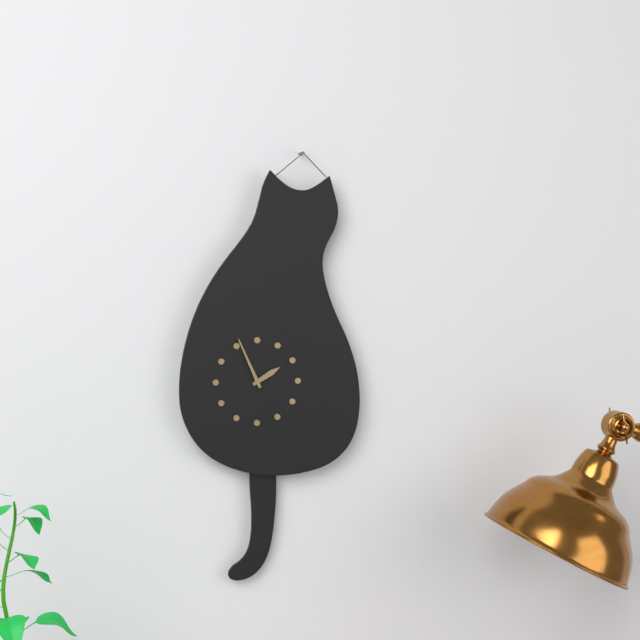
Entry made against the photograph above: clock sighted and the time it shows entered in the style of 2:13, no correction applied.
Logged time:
1:56
